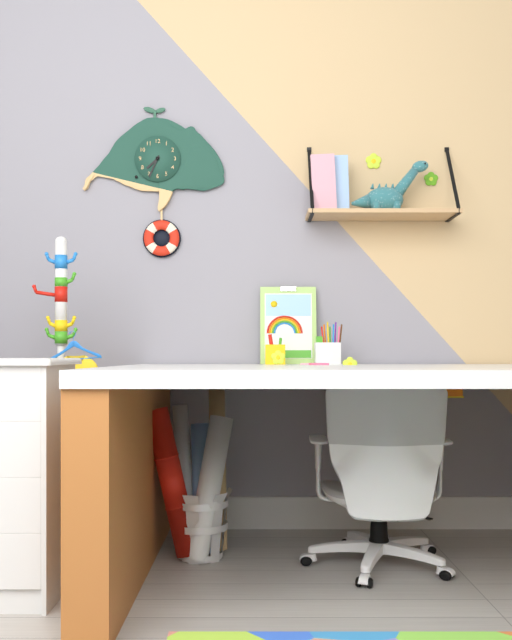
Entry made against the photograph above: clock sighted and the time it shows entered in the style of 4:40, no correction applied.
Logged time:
7:34
